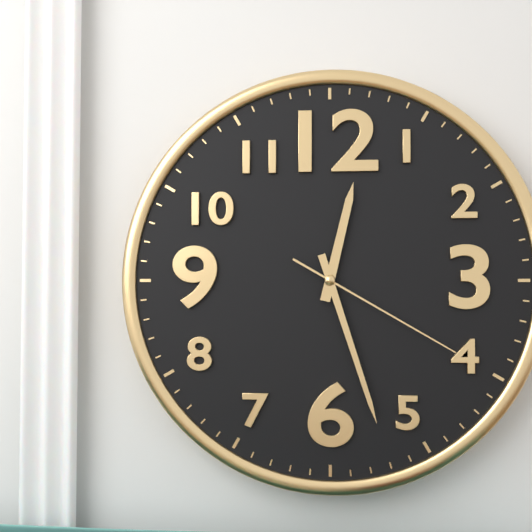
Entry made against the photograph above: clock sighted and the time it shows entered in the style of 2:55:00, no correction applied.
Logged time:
12:27:20
